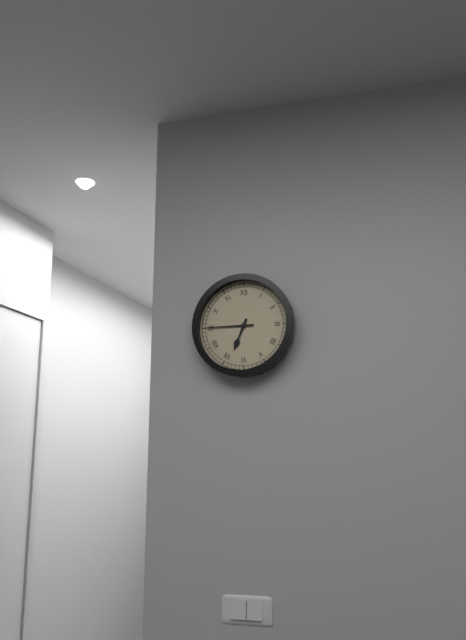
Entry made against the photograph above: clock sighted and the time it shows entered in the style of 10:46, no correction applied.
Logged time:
6:45
